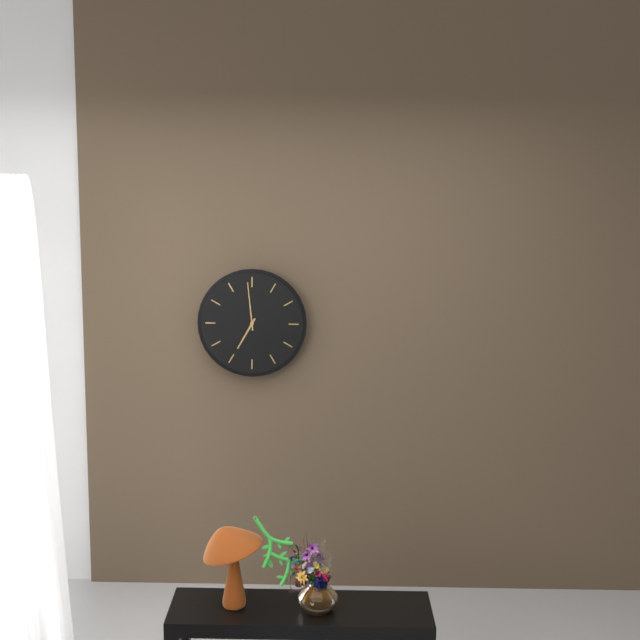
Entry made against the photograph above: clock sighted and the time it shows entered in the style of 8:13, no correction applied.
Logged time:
6:59
